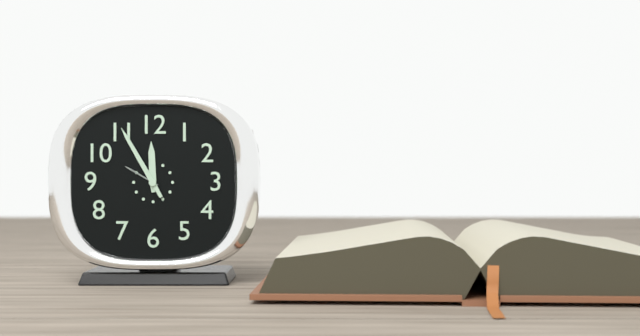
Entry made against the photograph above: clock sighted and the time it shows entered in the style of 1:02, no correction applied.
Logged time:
11:55
